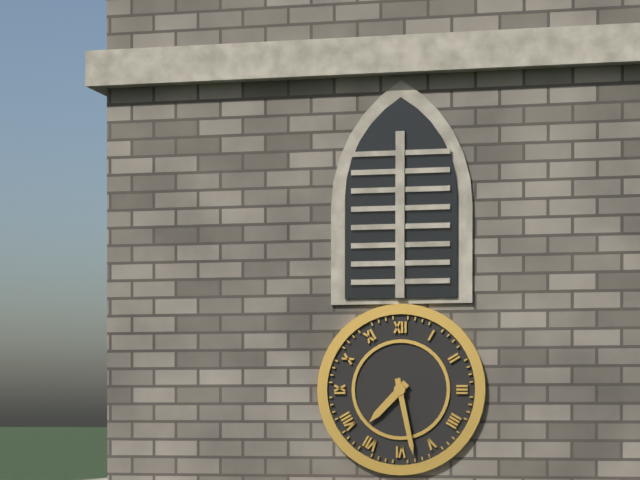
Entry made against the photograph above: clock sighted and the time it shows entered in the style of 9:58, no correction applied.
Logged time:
7:28
